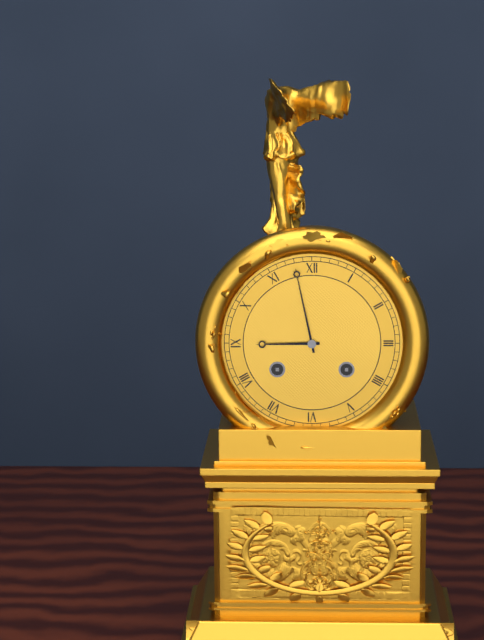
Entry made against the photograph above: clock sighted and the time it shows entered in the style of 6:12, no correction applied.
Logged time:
8:58
